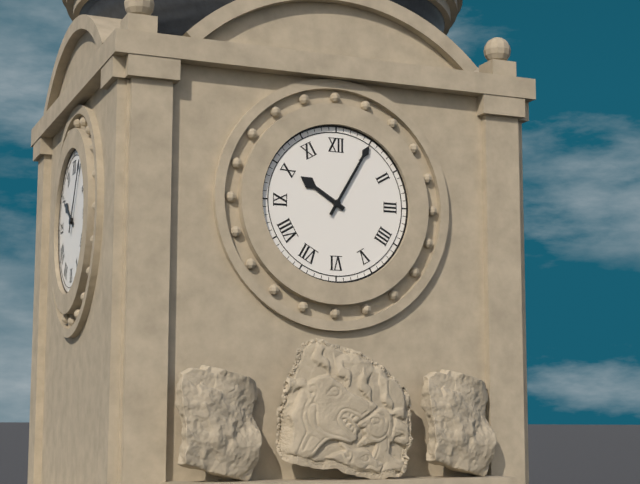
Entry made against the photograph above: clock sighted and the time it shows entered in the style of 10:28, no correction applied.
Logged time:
10:05
